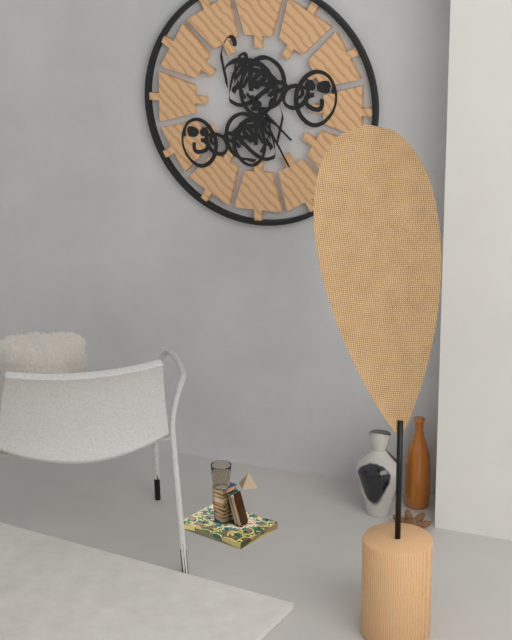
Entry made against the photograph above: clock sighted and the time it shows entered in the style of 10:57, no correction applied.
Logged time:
4:25
